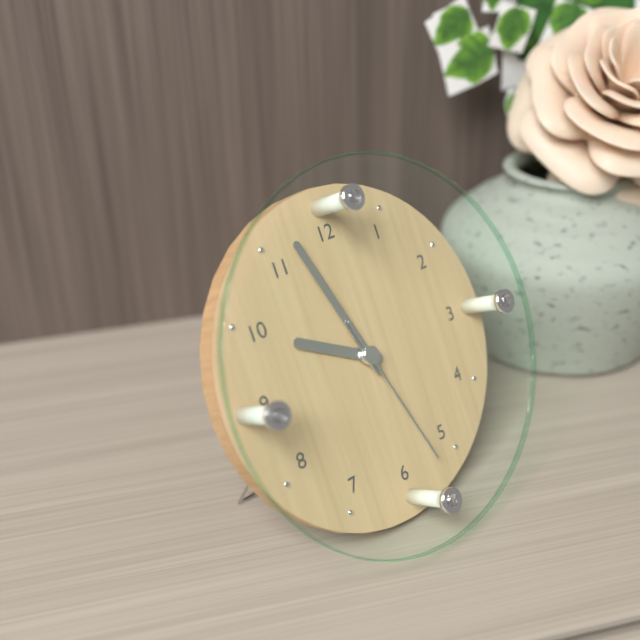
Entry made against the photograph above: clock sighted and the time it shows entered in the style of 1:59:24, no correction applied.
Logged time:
9:57:27
